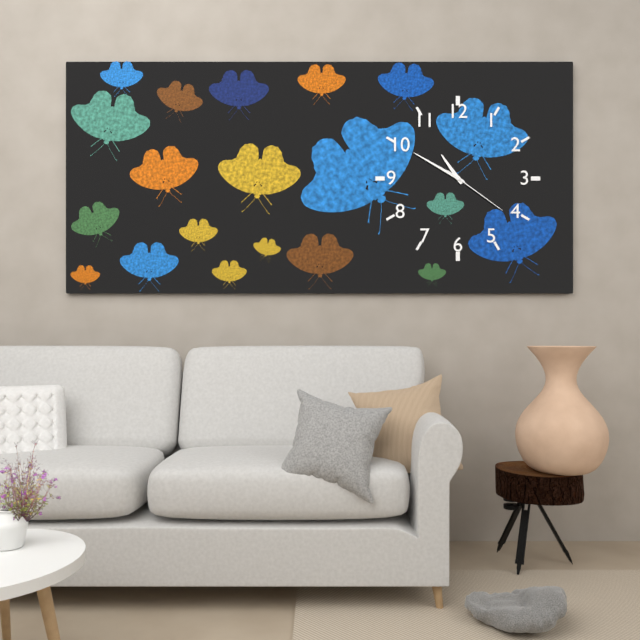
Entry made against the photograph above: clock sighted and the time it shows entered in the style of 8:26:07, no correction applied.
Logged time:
10:50:21
